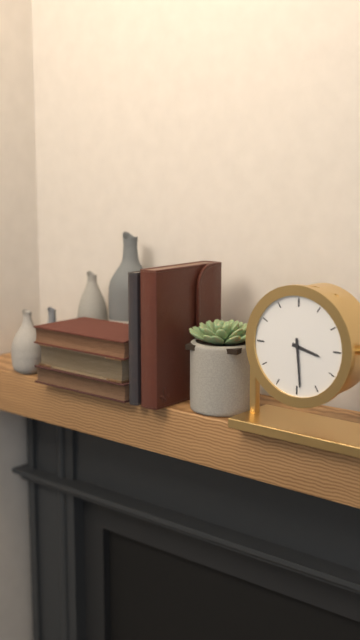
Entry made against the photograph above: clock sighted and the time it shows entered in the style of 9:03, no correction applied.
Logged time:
3:29
